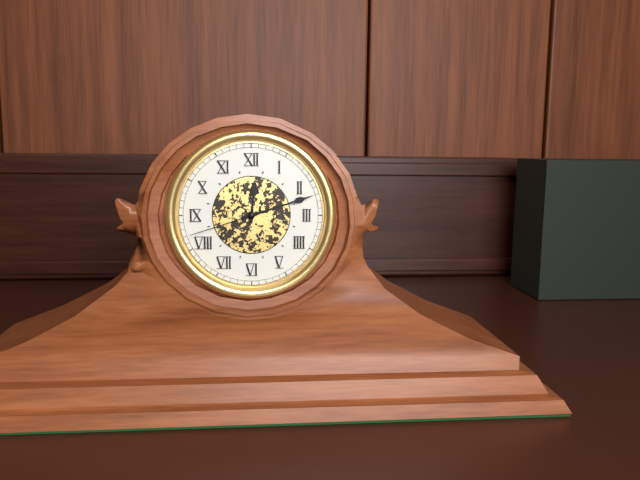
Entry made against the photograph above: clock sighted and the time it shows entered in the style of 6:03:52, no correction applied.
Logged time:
12:12:42
